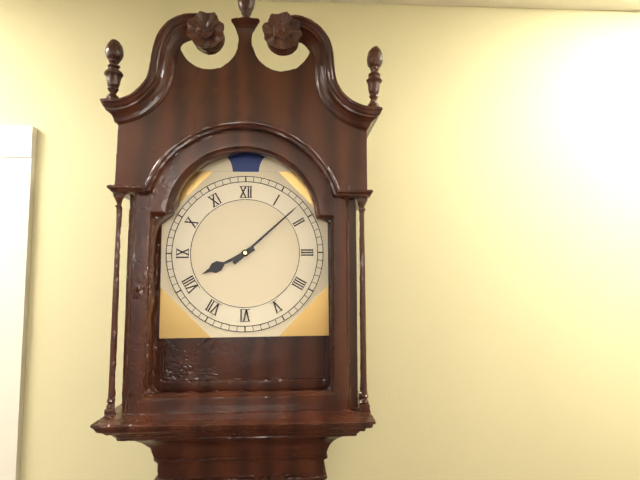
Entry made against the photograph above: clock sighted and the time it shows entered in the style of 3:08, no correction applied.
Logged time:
8:08
